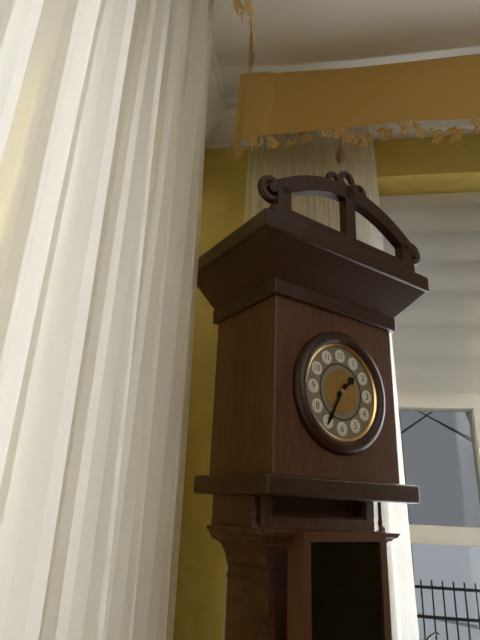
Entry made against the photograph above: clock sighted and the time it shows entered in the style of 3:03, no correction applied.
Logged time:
1:35
